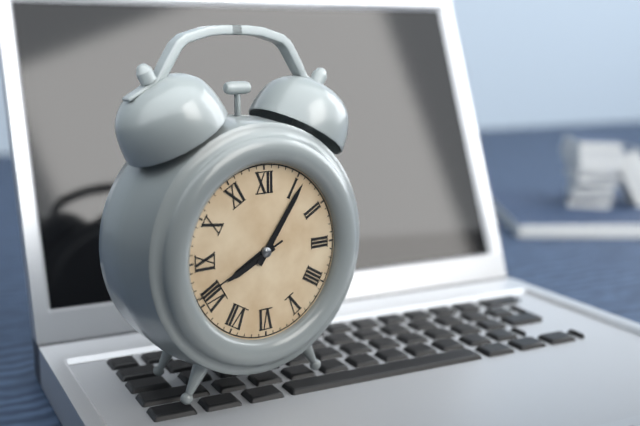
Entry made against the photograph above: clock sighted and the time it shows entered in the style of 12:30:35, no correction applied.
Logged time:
8:06:41
